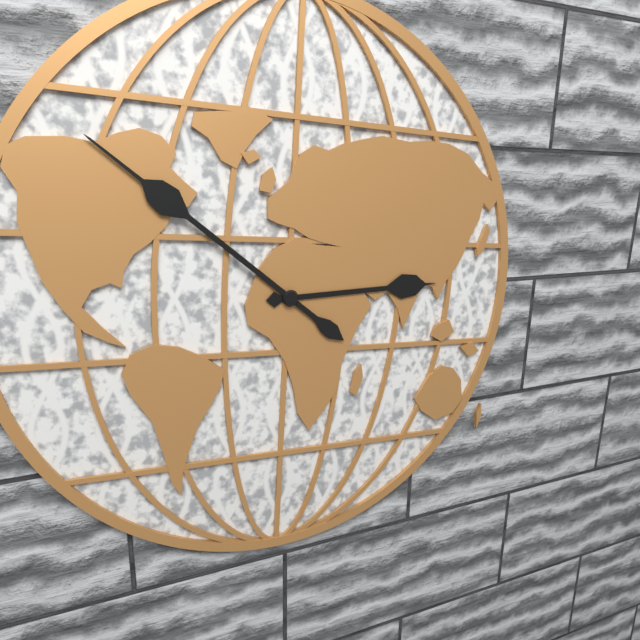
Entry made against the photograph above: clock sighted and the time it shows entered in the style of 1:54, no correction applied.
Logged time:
2:51
